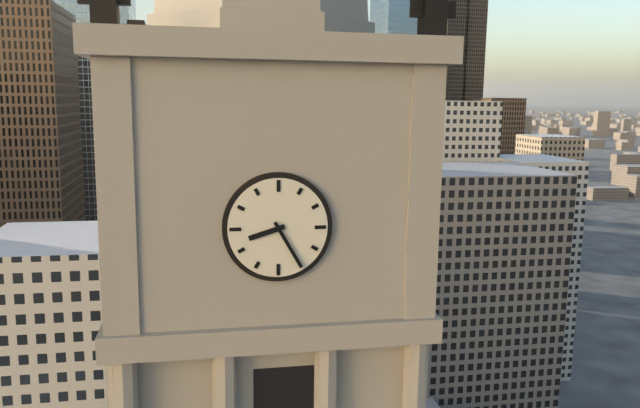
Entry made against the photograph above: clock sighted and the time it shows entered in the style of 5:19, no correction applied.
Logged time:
8:25
